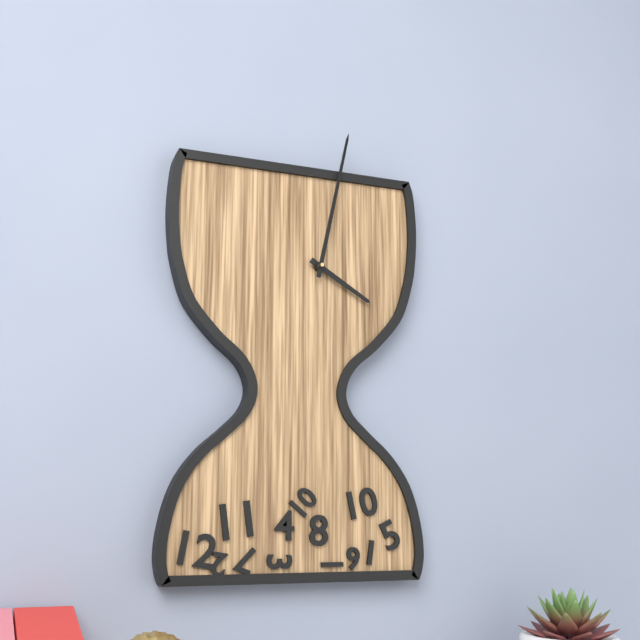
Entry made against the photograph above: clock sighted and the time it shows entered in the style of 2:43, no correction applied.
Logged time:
4:02
